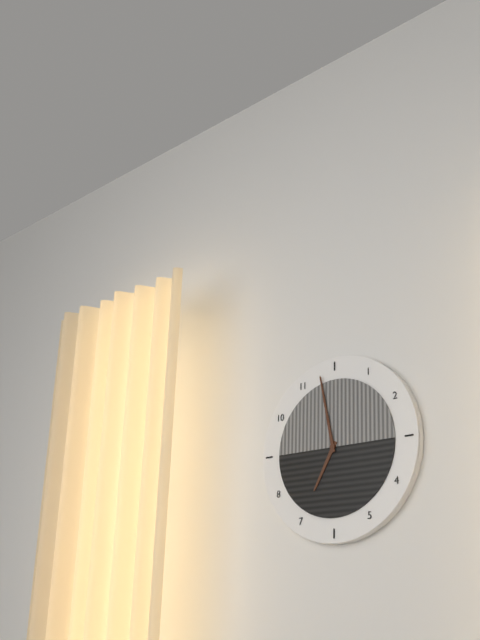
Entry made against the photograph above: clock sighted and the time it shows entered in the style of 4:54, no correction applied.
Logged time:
6:58
